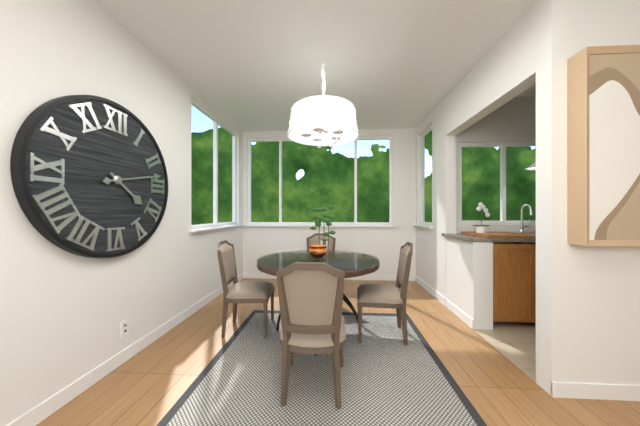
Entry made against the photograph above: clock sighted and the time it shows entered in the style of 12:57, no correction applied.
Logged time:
4:13
